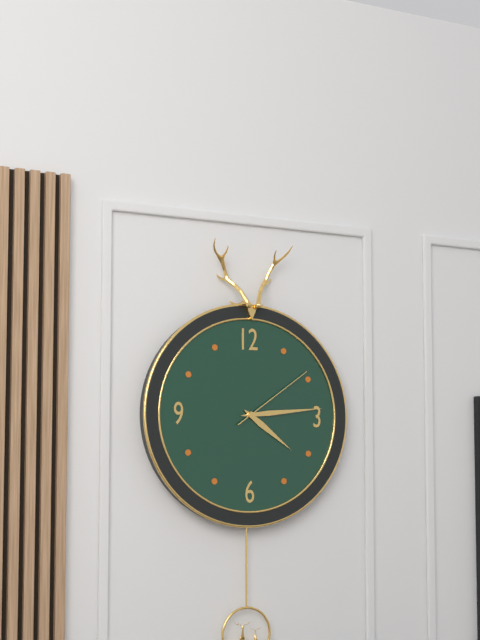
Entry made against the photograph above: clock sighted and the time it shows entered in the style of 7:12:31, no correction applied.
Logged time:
4:14:09
